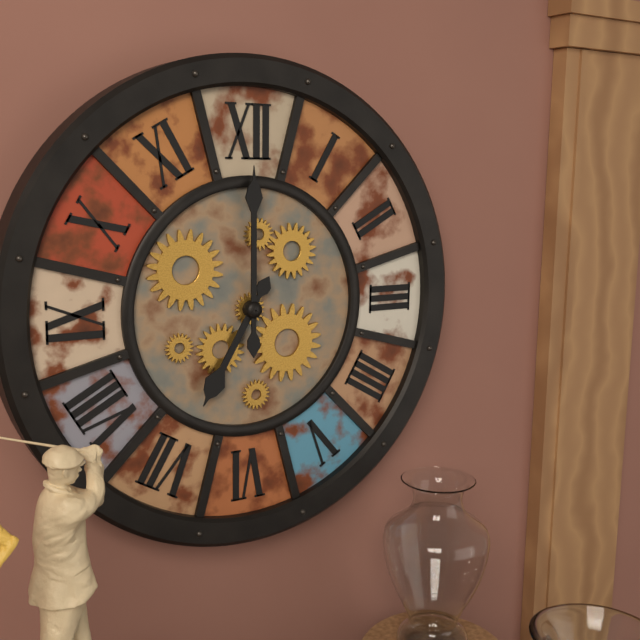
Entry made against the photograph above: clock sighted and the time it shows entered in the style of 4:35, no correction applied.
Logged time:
7:00
